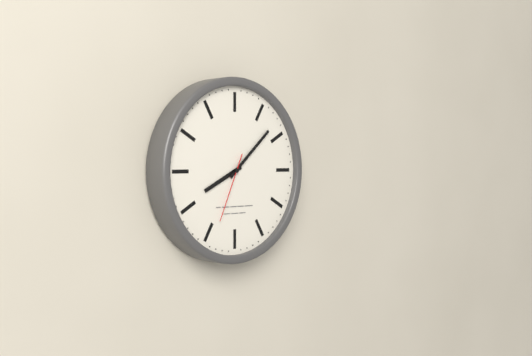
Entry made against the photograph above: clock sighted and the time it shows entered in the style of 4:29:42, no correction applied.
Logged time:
8:08:34
